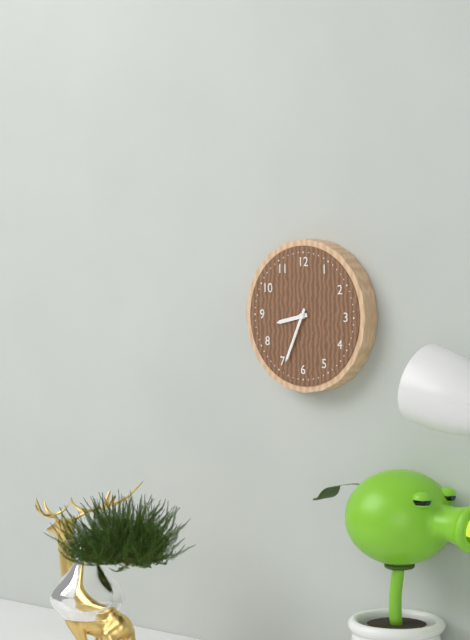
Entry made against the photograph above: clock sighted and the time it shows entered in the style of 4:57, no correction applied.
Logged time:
8:34
